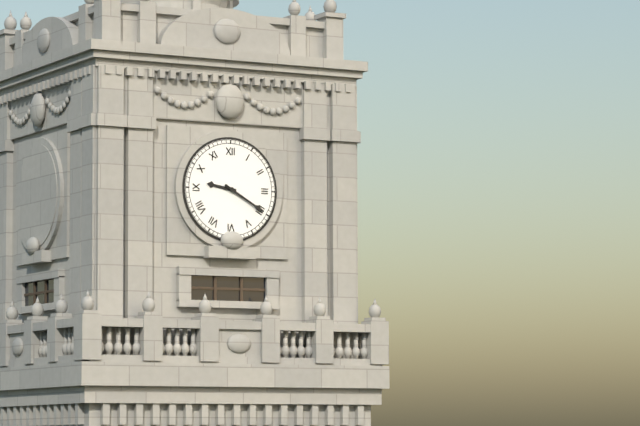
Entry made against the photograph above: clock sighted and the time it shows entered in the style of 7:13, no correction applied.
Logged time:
9:20
